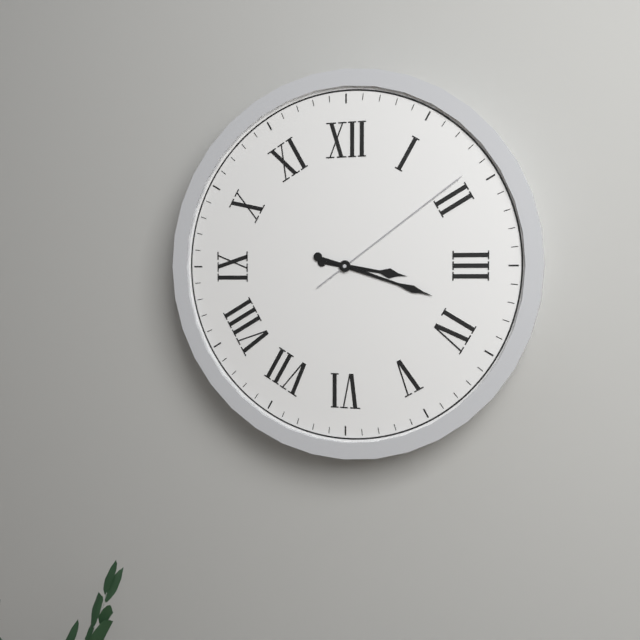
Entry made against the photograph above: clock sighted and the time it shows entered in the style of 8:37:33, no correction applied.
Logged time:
3:18:09
